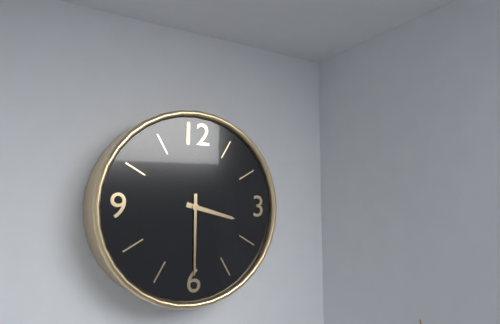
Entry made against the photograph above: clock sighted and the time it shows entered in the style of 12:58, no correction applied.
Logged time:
3:30
